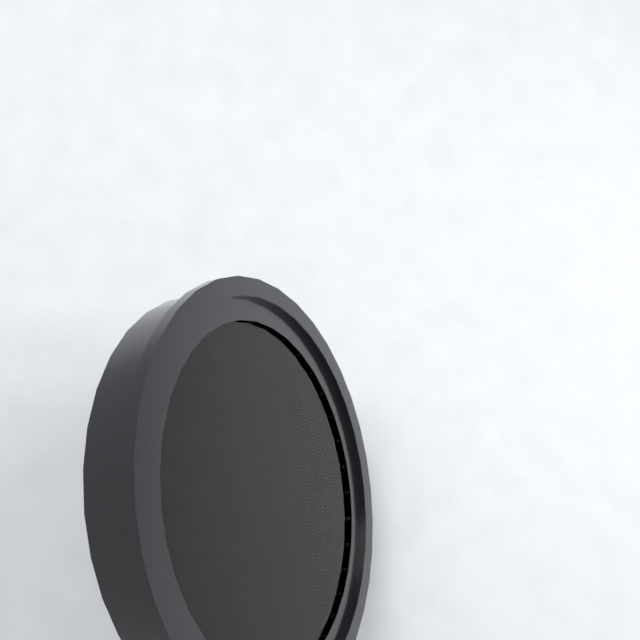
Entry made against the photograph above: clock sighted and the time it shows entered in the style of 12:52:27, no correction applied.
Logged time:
4:00:54
